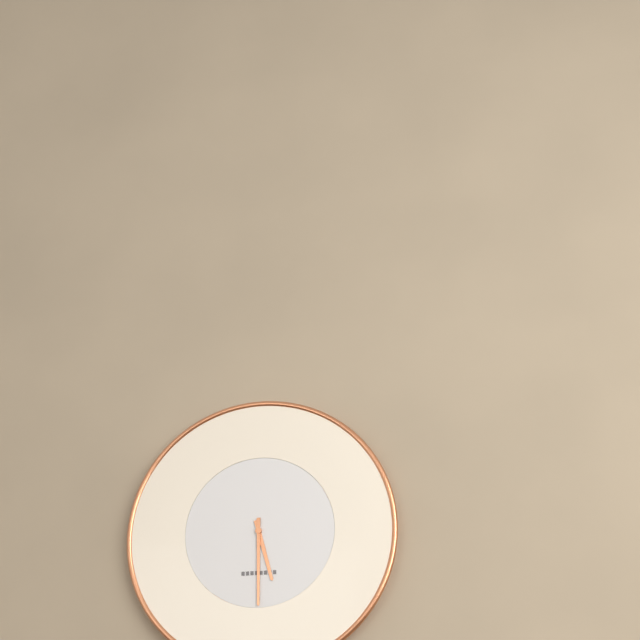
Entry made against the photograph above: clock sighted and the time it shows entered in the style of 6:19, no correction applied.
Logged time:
5:30
